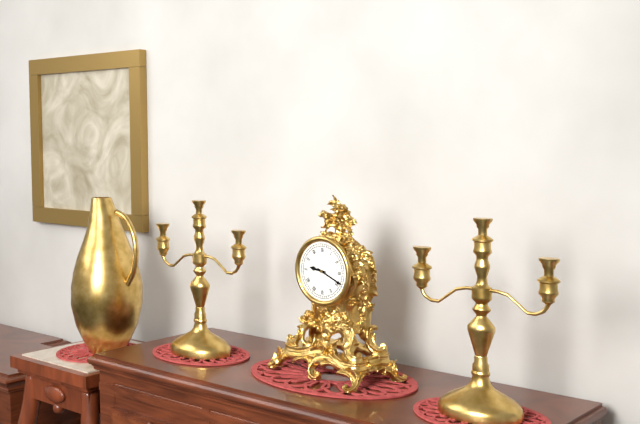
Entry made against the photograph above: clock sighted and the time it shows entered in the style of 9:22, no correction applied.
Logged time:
9:19
